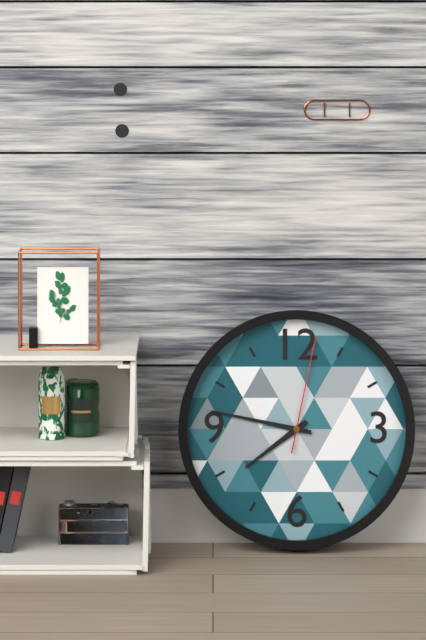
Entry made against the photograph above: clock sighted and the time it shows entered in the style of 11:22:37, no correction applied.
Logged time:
7:47:02
